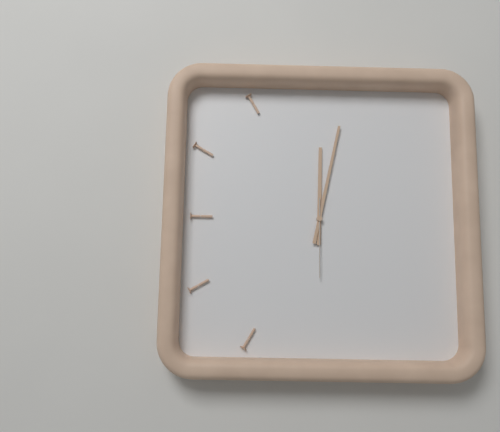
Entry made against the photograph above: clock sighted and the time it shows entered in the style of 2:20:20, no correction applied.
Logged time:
12:02:30
